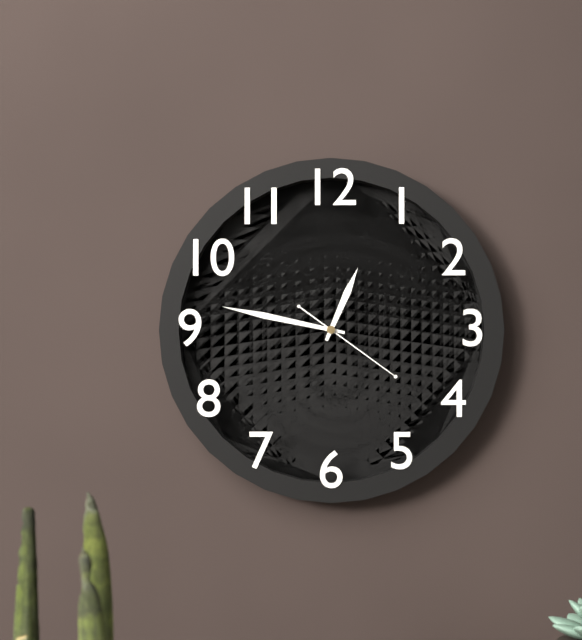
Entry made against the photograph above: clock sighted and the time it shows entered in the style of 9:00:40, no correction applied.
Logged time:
12:47:21
